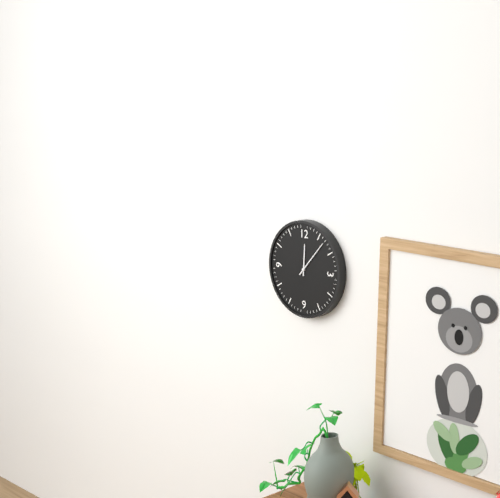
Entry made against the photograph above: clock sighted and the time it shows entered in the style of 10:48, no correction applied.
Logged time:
12:07
